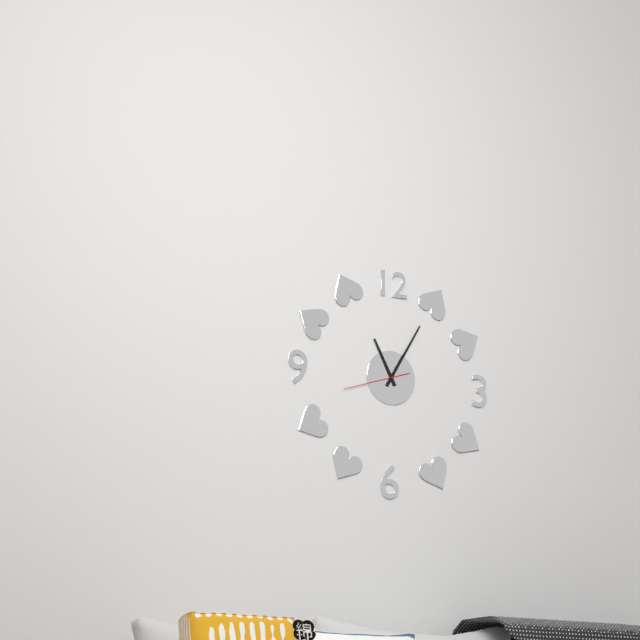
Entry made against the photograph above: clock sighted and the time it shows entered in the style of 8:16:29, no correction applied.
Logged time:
11:05:42
